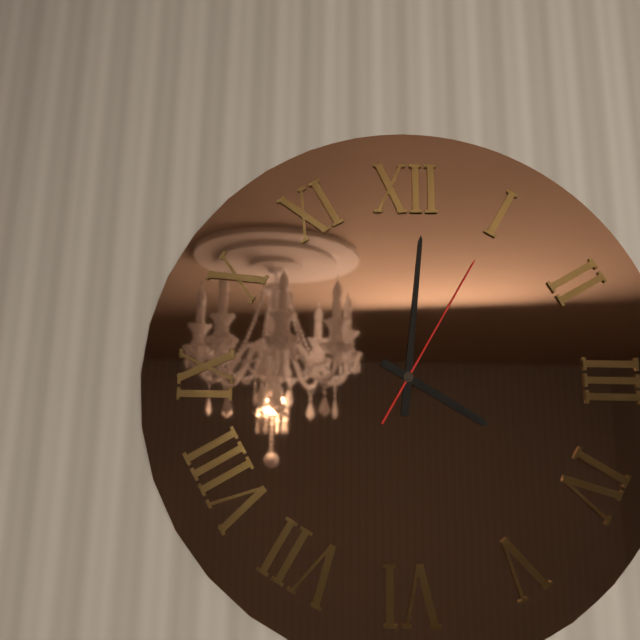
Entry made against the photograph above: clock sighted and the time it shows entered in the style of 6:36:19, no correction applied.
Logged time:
4:01:05
